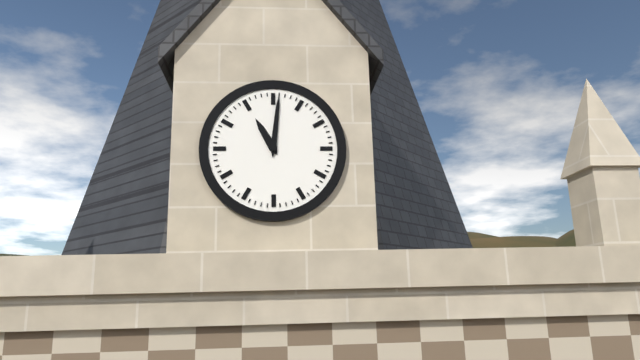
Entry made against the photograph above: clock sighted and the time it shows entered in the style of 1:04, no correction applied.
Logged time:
11:01
